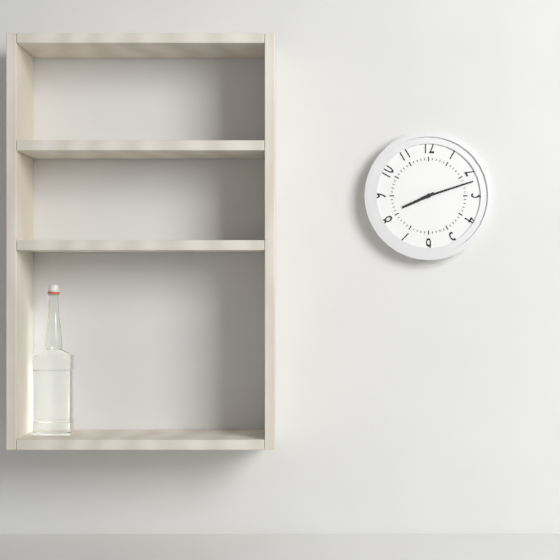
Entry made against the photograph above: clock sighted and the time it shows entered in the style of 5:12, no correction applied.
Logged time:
8:12
